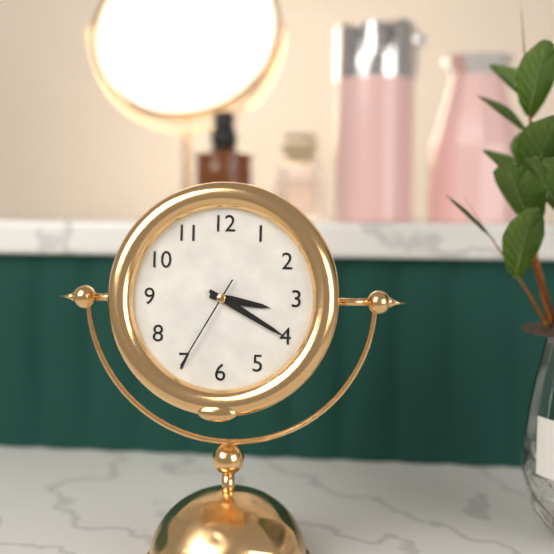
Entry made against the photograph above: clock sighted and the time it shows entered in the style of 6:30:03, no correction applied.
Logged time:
3:20:35
